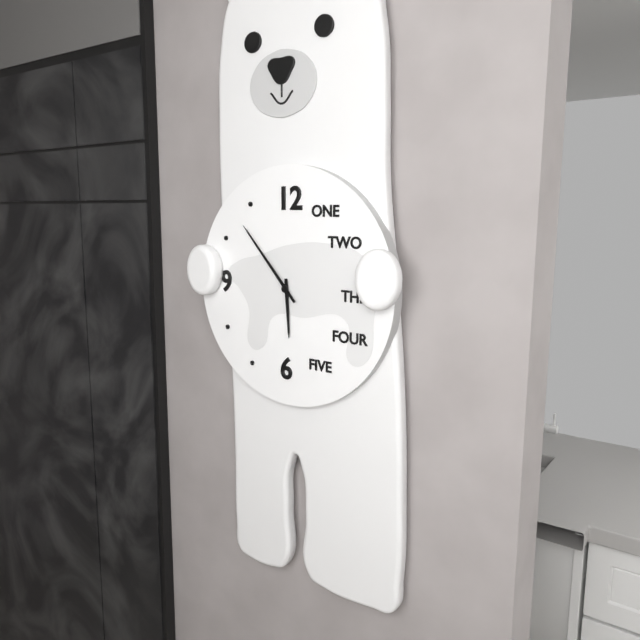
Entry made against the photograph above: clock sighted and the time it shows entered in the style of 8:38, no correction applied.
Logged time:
5:53
